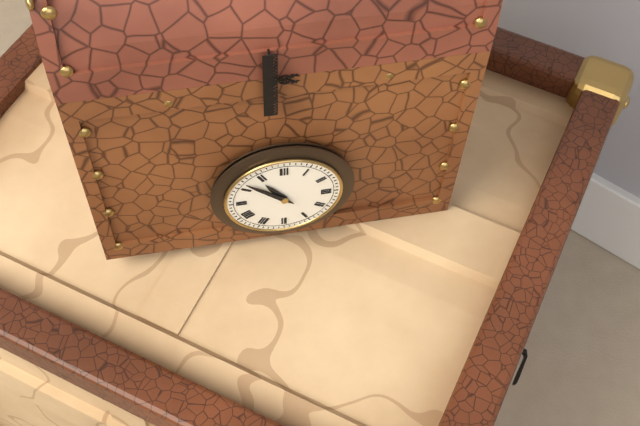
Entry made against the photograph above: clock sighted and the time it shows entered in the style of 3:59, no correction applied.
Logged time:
10:52
